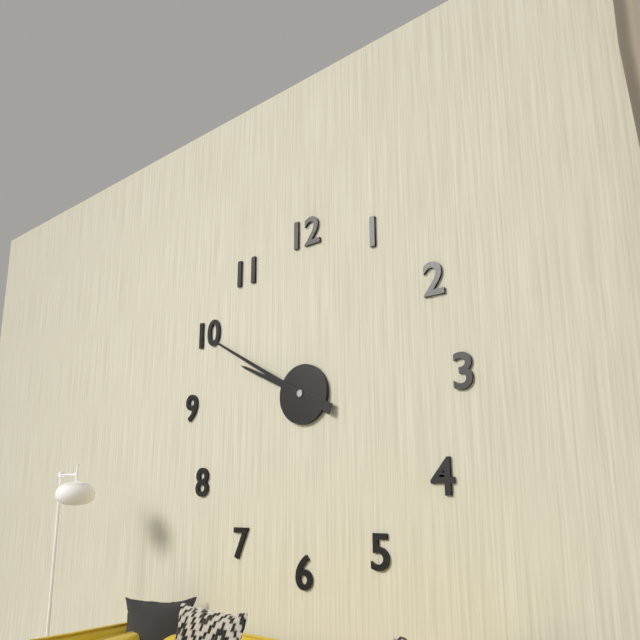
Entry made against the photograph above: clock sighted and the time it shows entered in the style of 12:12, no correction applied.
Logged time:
9:50
